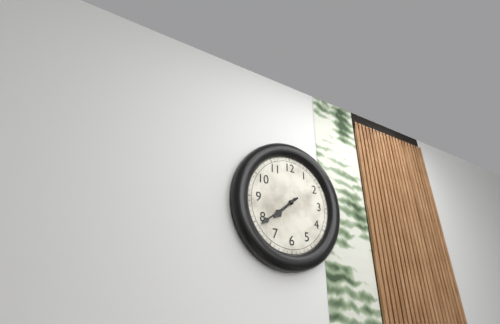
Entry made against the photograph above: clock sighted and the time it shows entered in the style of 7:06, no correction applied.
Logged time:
7:39
